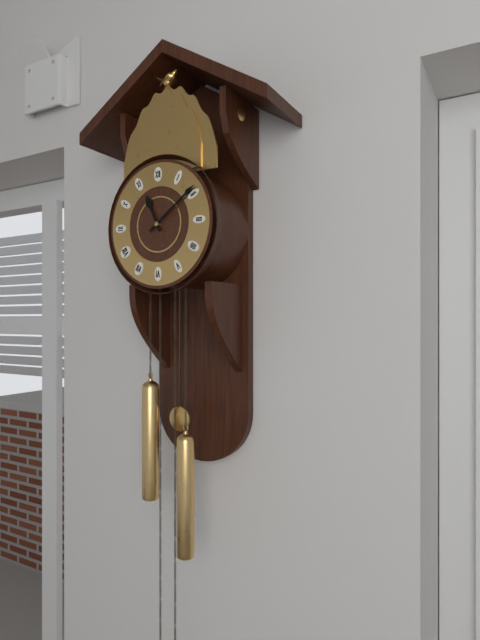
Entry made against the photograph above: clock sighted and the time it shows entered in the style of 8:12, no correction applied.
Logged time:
11:09
